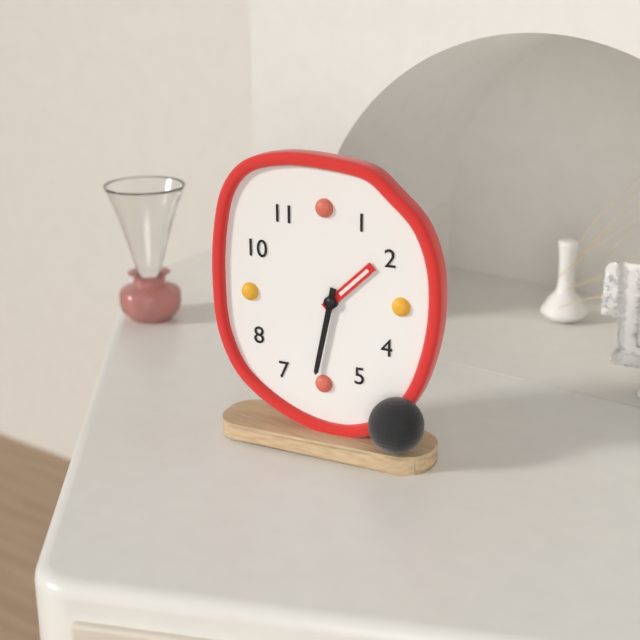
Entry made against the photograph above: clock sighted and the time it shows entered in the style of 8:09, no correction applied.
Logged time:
1:32
